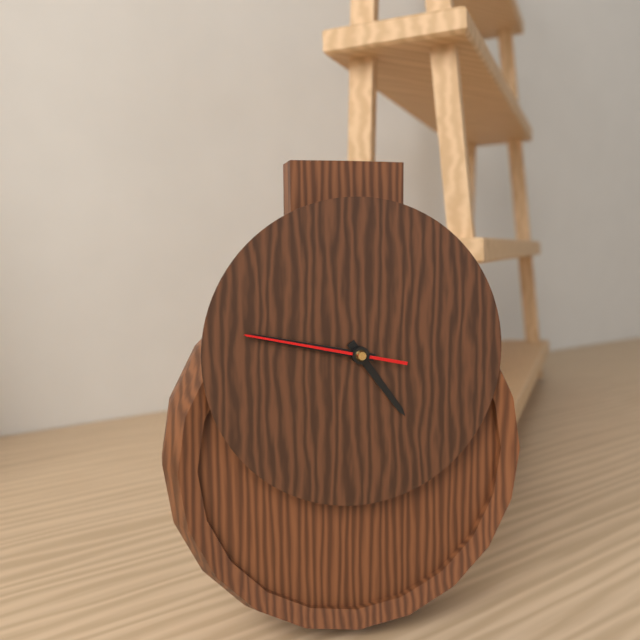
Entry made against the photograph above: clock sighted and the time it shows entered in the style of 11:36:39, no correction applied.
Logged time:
4:47:47
